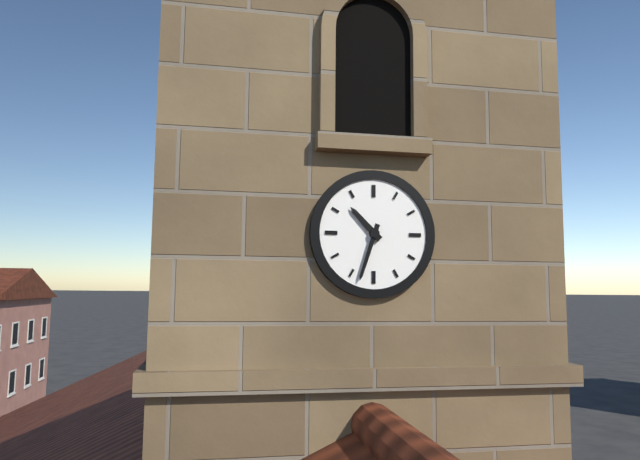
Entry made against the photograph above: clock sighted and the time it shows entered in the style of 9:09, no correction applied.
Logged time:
10:33
